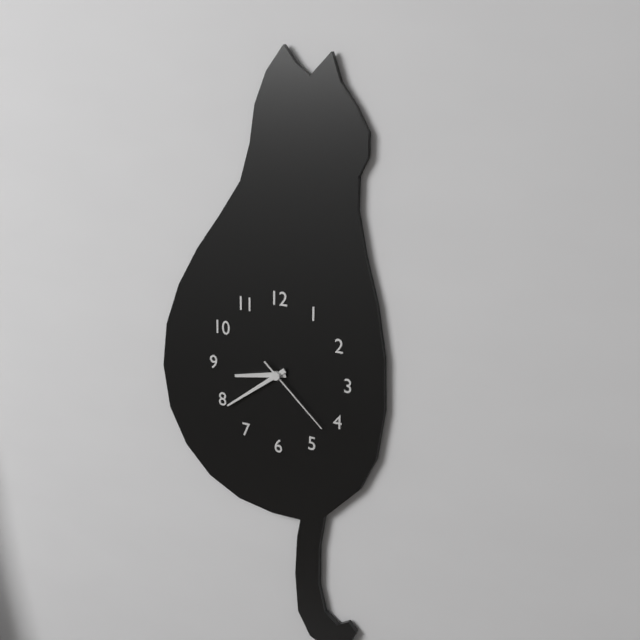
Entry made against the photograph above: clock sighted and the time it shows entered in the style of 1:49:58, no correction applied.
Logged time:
8:39:22
